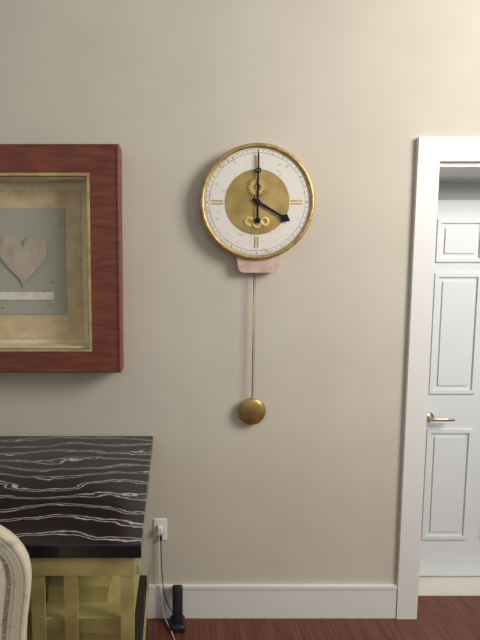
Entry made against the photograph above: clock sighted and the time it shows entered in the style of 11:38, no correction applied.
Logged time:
4:00
